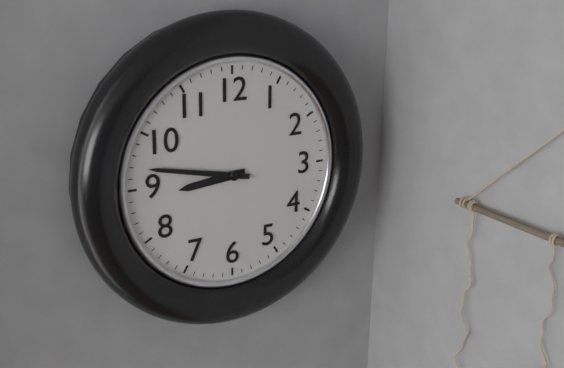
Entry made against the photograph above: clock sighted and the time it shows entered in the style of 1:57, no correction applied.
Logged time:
8:47
